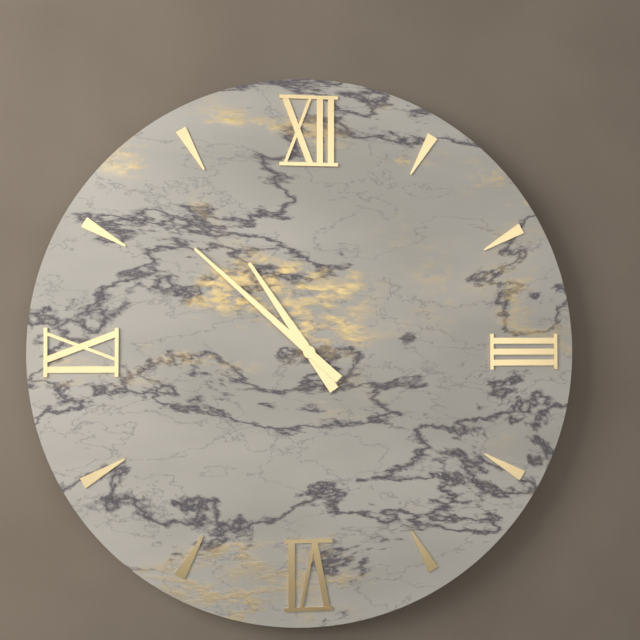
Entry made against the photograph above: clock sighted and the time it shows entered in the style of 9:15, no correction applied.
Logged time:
10:52
